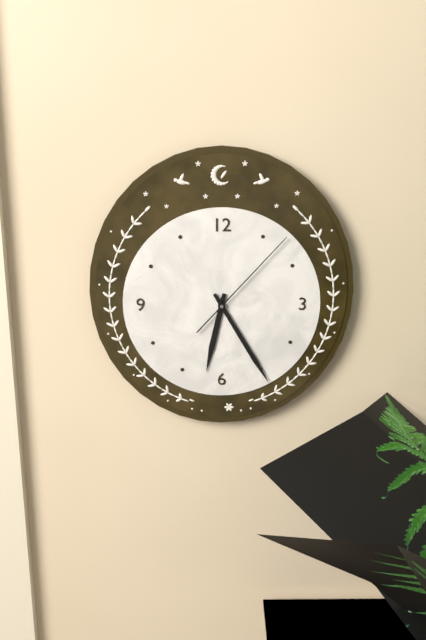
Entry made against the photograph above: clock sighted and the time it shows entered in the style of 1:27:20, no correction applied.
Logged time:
6:25:07
